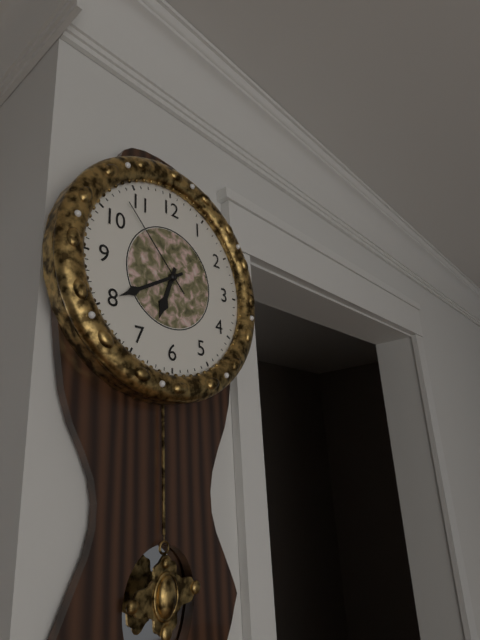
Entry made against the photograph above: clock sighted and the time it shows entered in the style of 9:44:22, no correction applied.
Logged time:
6:40:53
